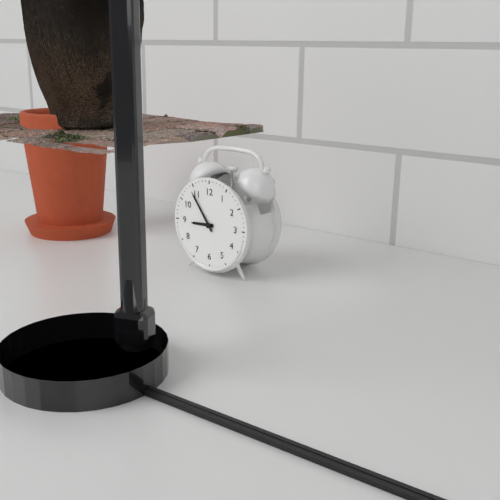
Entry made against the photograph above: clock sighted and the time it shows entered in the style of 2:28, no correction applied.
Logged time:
8:54
